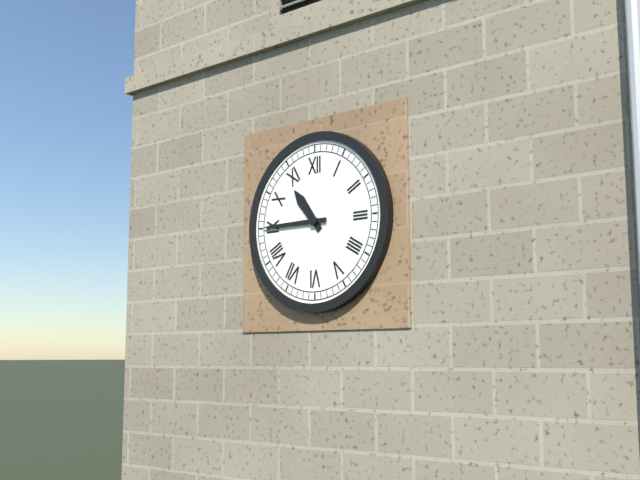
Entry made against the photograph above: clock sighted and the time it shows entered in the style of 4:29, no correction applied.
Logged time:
10:45
